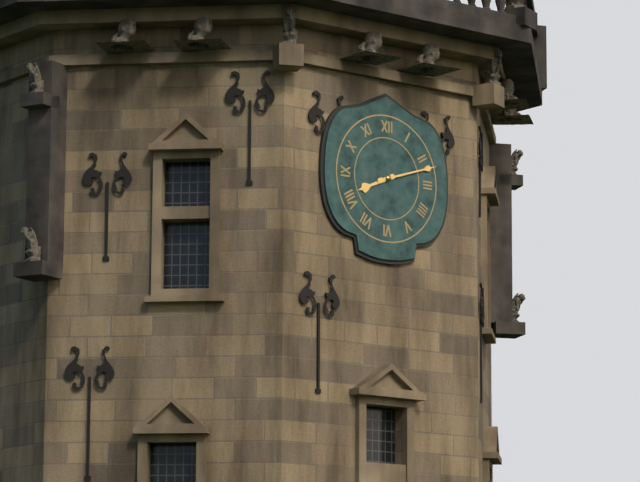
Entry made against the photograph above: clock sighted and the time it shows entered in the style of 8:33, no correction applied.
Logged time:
8:12
